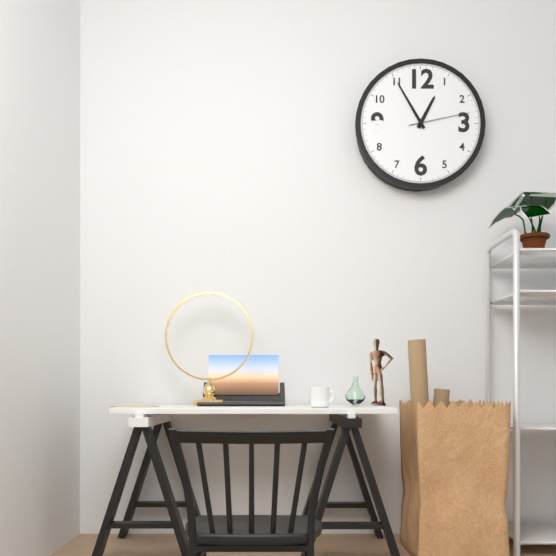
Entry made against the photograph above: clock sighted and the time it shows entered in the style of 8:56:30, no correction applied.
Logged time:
12:55:13
